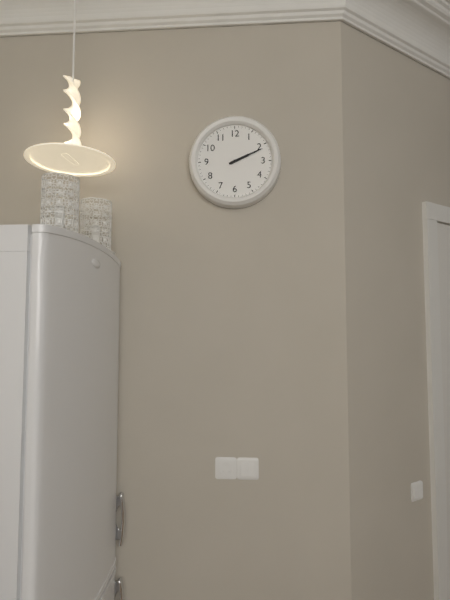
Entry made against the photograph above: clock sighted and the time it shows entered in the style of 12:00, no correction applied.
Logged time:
2:11
